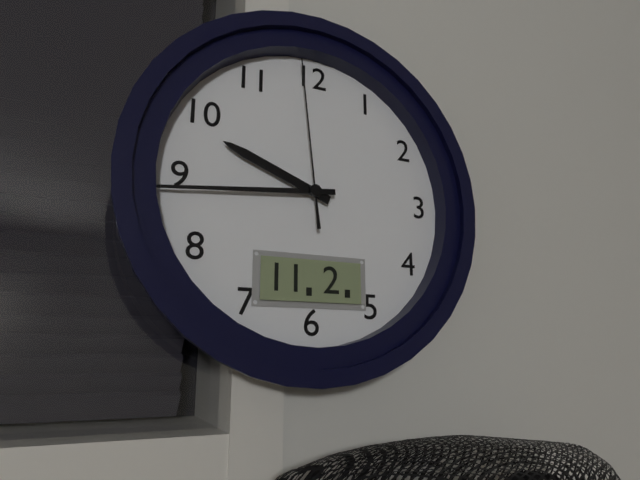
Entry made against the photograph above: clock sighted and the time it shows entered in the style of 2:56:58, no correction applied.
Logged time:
9:44:59
